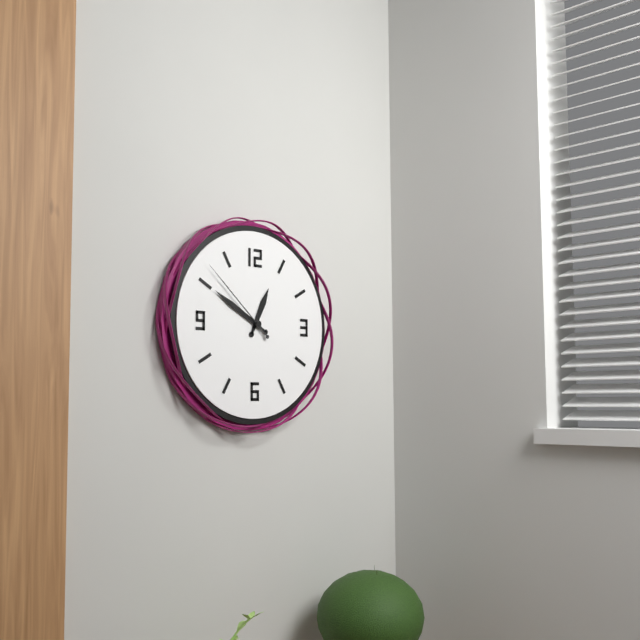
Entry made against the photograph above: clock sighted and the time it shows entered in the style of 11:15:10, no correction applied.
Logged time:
12:50:52
